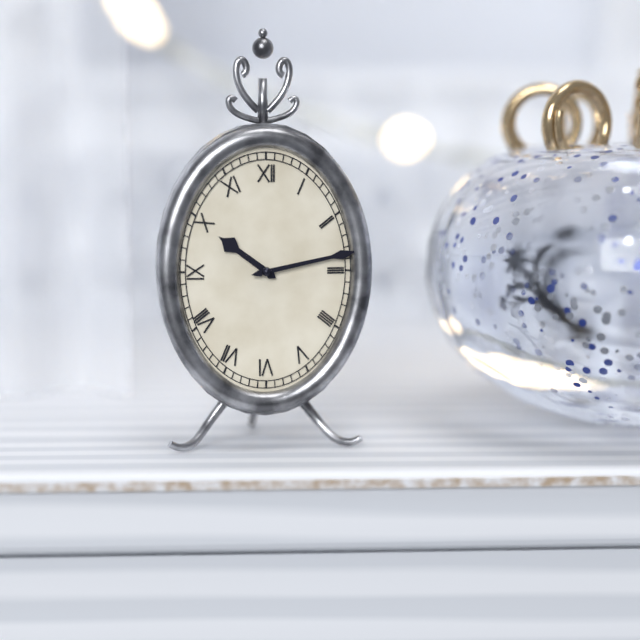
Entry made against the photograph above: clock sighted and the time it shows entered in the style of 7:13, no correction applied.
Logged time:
10:13
